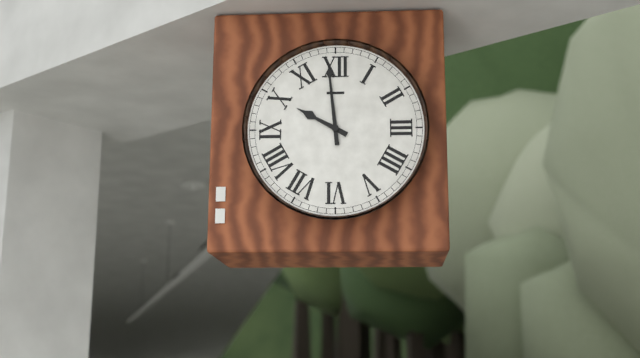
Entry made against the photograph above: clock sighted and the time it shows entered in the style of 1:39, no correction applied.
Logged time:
9:59
